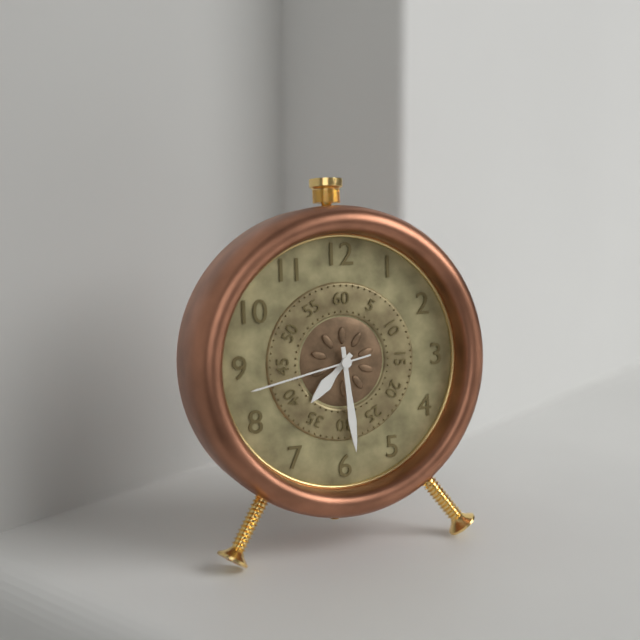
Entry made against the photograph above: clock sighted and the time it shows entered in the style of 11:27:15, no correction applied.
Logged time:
7:29:43
